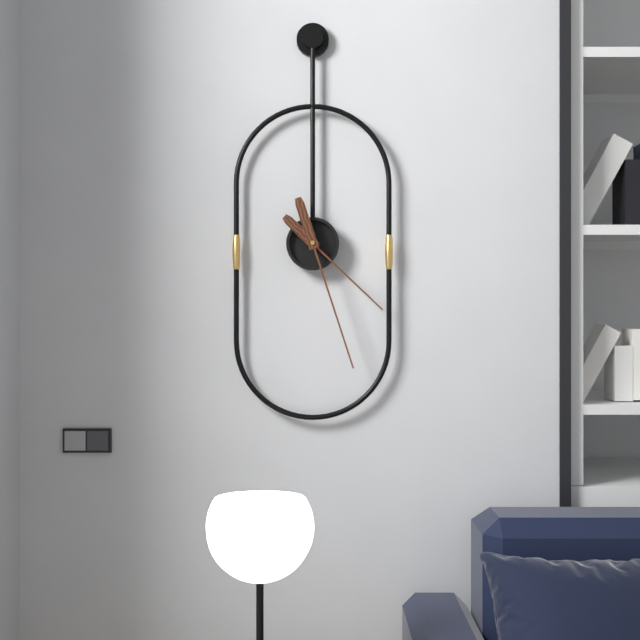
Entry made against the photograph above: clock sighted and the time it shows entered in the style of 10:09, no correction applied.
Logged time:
4:27
